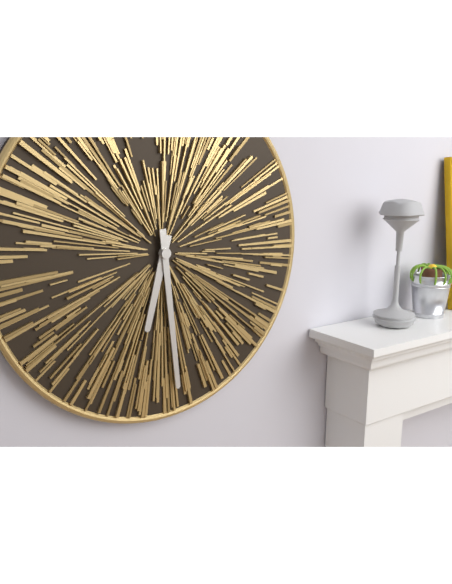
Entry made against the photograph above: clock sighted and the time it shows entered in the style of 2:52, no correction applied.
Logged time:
6:29
